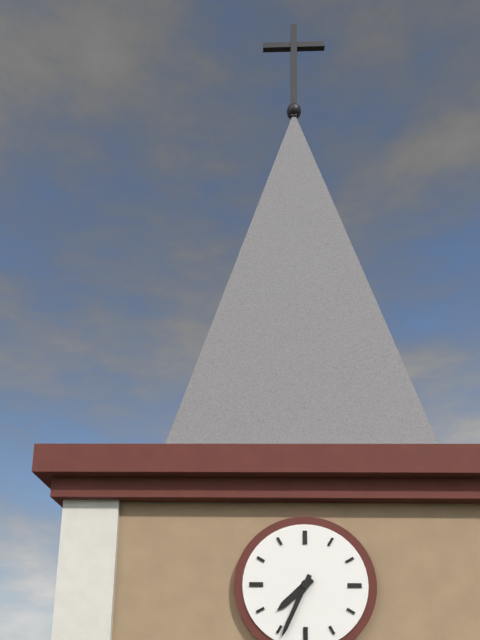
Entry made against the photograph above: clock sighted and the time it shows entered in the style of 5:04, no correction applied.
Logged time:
7:34
